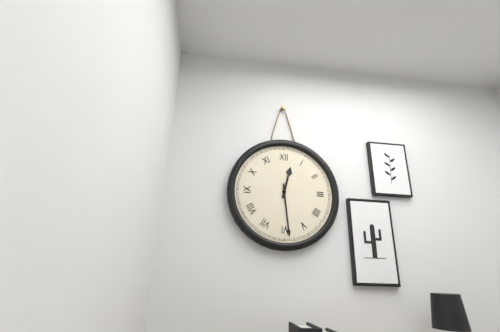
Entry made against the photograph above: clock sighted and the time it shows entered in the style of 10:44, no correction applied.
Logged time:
12:29
